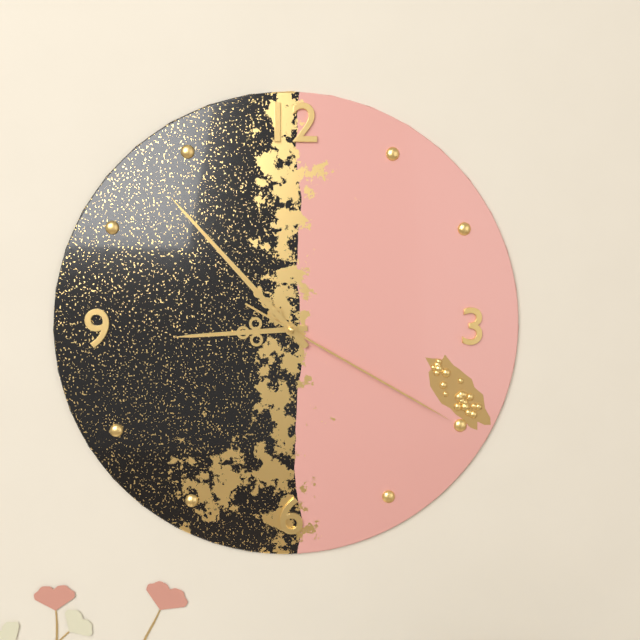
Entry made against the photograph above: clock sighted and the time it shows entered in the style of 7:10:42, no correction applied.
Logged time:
8:53:20
